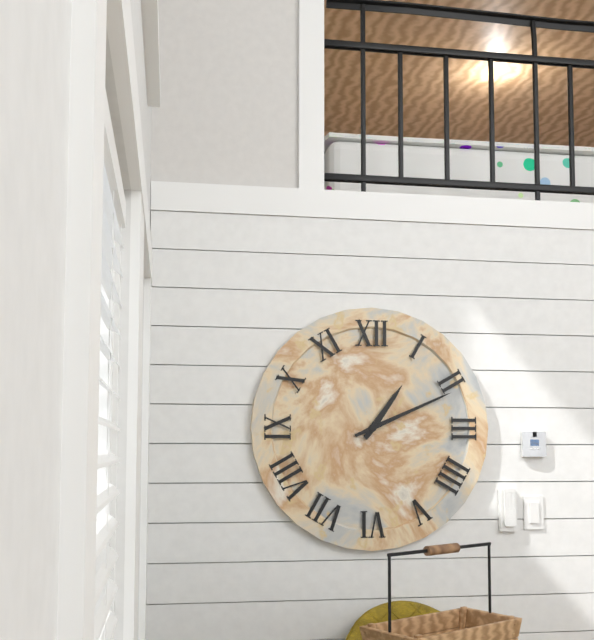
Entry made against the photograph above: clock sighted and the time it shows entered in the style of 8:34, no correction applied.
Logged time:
1:11
